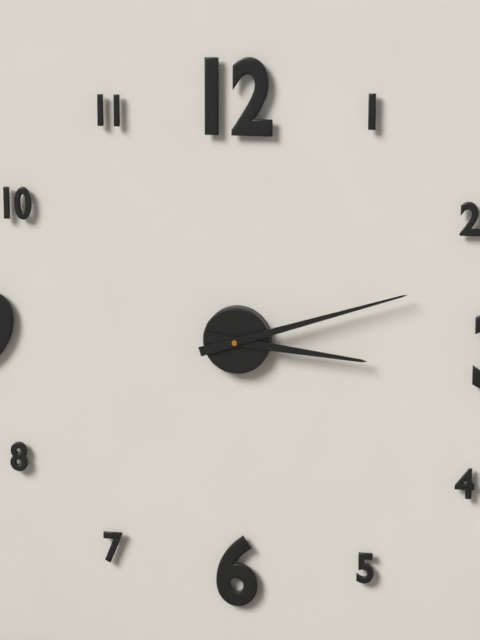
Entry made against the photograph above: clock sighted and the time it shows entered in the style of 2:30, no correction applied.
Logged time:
3:12
